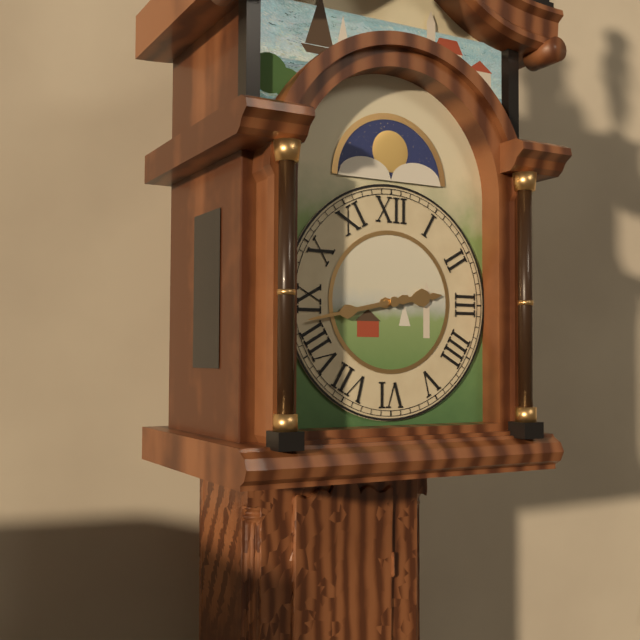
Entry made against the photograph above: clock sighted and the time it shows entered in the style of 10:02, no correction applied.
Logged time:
2:43
